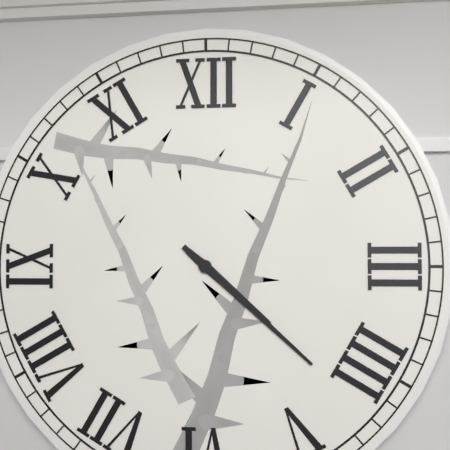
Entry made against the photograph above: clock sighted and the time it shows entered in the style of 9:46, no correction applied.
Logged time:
4:22
